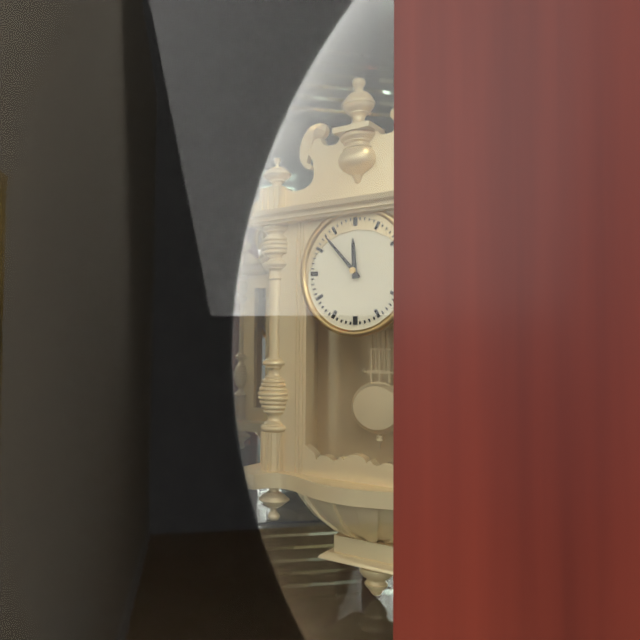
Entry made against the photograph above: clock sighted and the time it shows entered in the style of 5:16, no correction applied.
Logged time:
11:53
